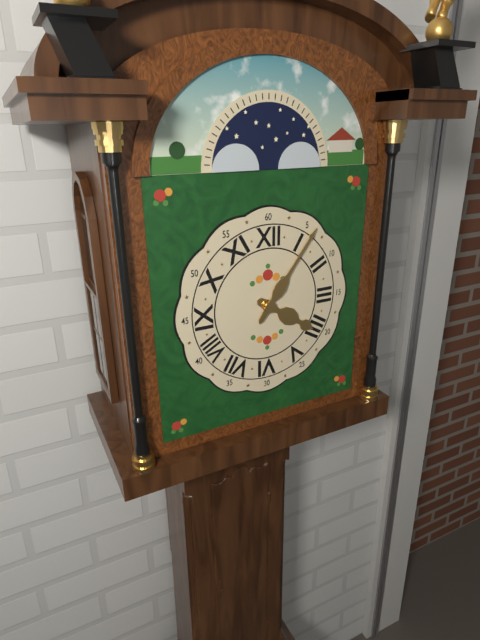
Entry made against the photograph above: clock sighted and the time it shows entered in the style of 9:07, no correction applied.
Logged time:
4:06
